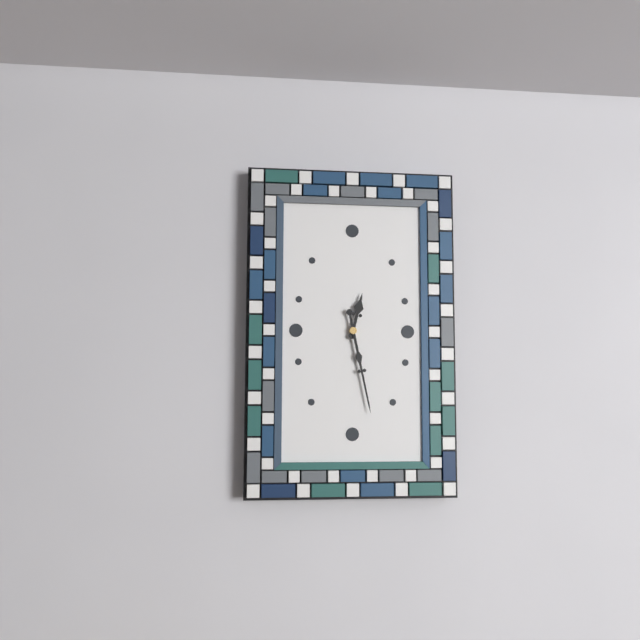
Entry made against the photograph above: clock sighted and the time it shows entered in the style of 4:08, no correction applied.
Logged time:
12:28
